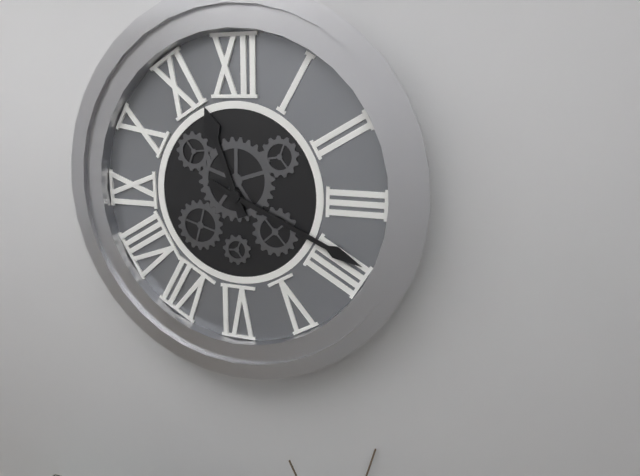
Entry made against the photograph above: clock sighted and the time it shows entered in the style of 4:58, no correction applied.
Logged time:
11:19
